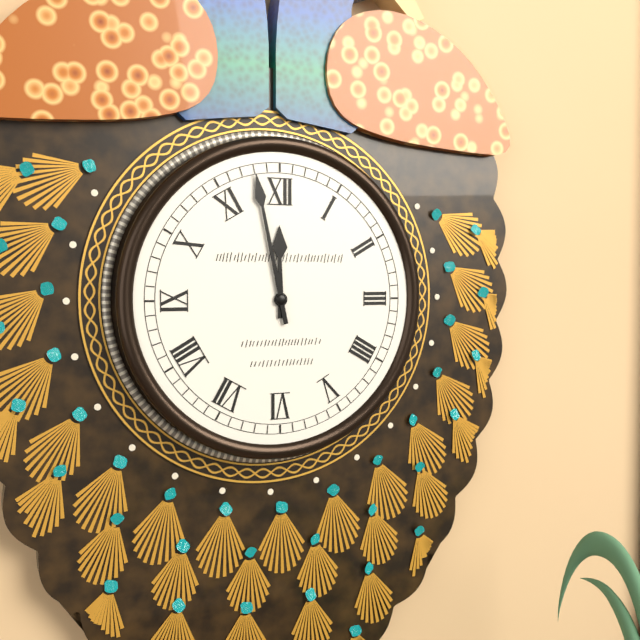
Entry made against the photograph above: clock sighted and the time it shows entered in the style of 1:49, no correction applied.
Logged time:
11:58
